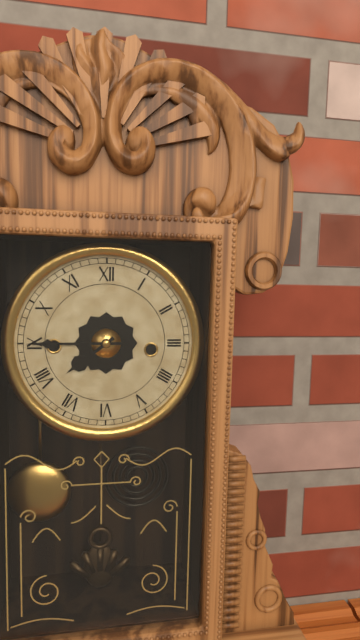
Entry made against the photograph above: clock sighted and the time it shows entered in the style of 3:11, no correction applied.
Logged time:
7:45
